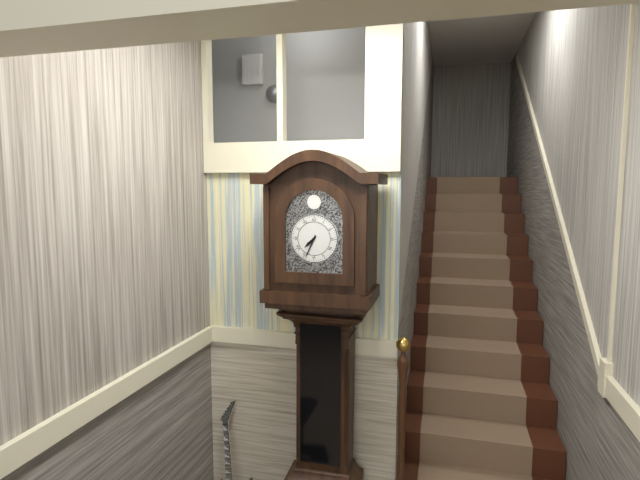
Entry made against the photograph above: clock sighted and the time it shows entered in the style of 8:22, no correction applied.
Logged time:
7:34
